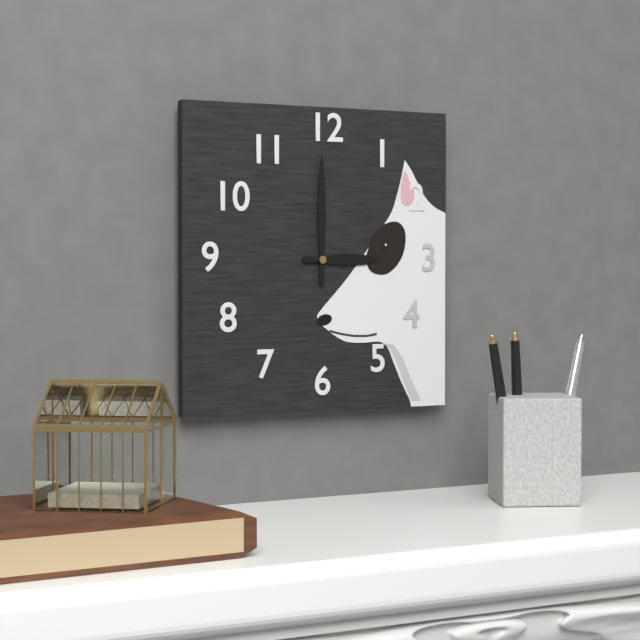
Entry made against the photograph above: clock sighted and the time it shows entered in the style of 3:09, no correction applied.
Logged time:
3:00
